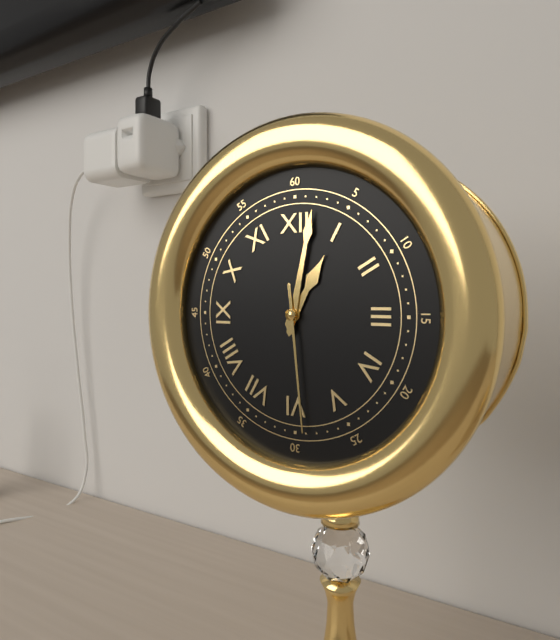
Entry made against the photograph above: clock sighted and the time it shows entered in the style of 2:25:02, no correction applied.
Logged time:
1:02:29
